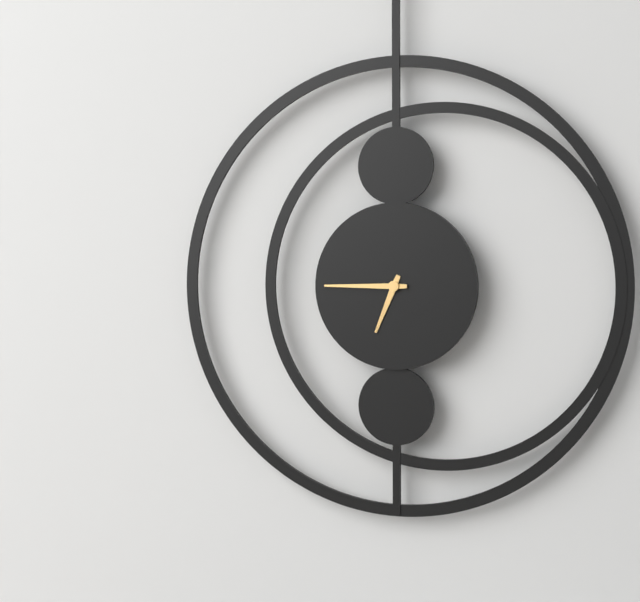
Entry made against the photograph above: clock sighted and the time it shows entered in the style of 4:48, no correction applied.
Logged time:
6:45
